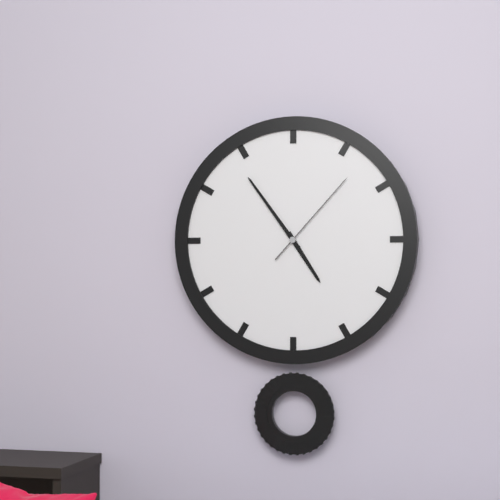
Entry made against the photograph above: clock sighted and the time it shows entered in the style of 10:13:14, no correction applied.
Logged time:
4:54:07
